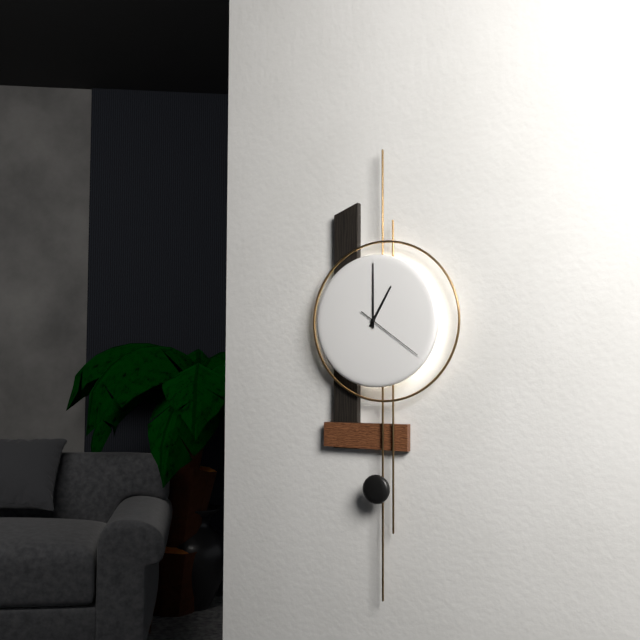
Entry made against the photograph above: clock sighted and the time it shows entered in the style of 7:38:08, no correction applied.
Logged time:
1:00:21
